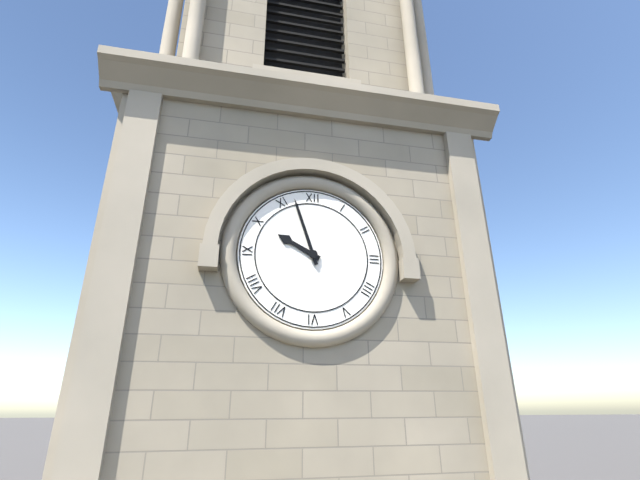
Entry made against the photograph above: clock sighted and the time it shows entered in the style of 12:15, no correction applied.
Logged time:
9:57
